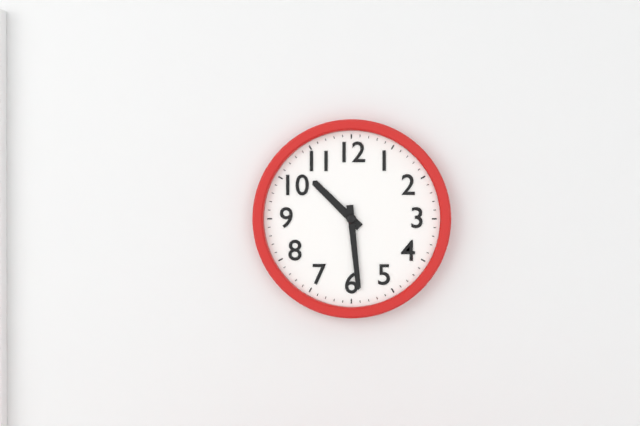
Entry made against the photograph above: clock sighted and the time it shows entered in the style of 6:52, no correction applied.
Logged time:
10:29
